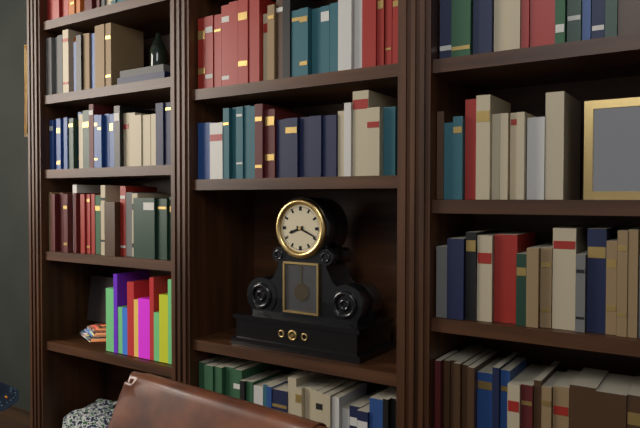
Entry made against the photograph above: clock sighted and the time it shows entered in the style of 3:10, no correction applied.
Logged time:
8:19
